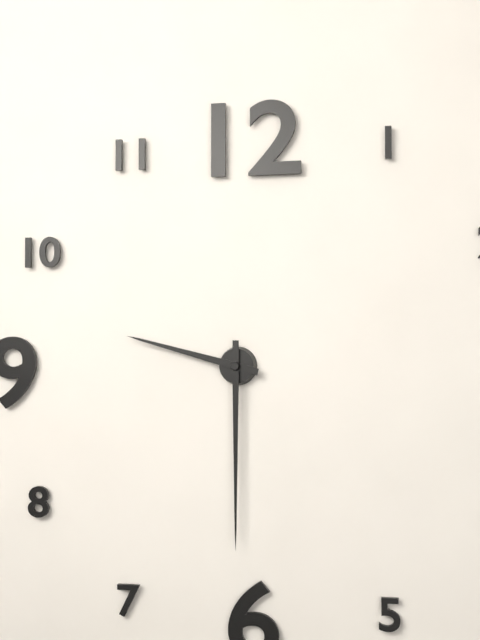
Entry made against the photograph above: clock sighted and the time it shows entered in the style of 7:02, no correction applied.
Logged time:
9:30
